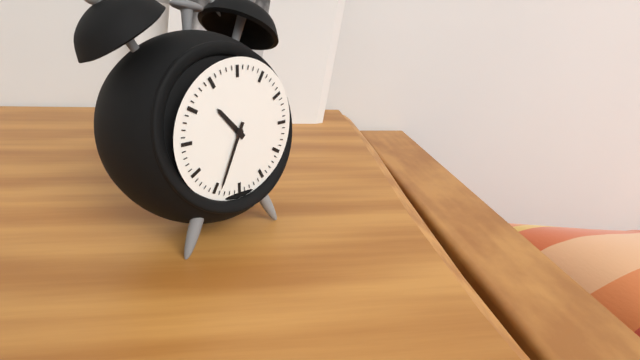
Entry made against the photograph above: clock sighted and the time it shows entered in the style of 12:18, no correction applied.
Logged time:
10:34
